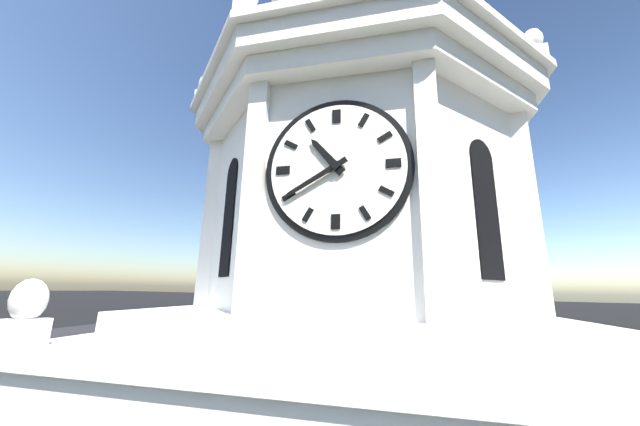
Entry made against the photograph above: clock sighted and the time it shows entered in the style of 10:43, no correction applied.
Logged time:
10:40
